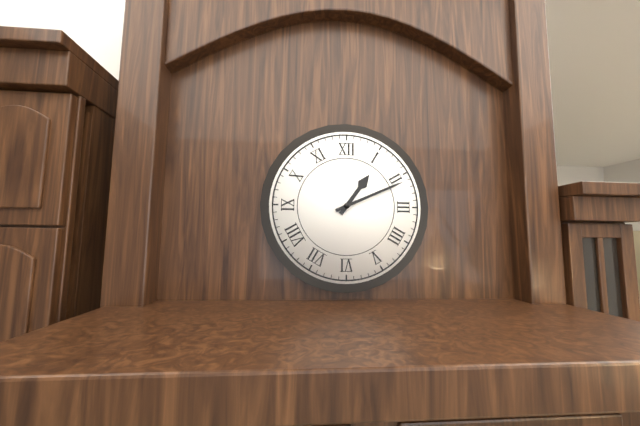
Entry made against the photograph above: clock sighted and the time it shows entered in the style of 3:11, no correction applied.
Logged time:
1:11
